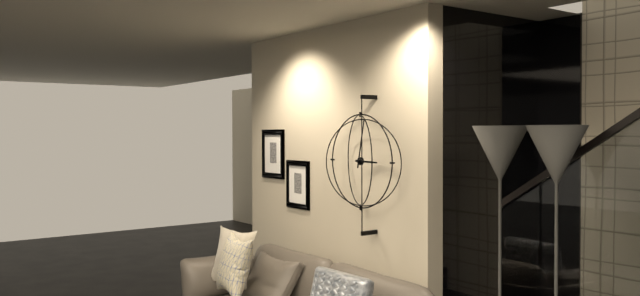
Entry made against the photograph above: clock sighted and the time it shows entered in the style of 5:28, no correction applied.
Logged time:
3:02
